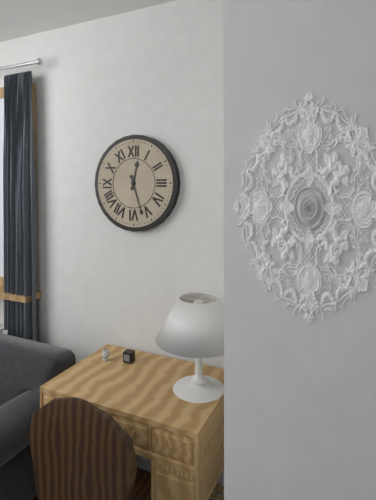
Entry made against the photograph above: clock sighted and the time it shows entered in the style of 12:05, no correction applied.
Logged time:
12:27
